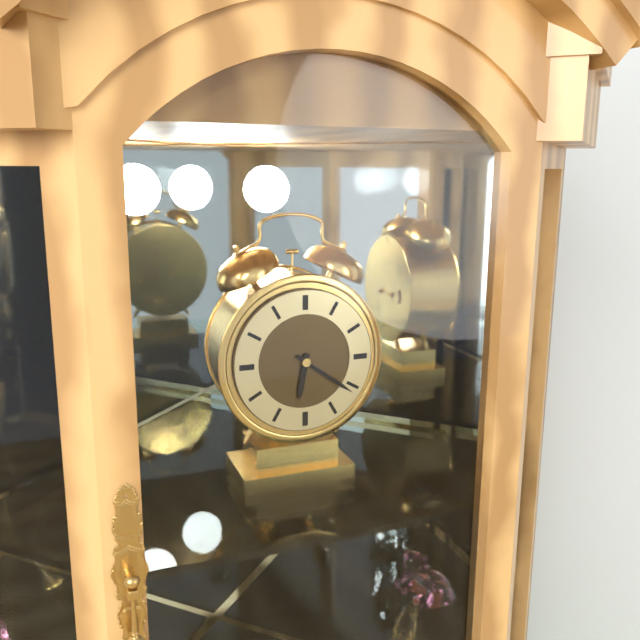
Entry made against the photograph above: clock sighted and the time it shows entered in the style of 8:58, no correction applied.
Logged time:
6:21
